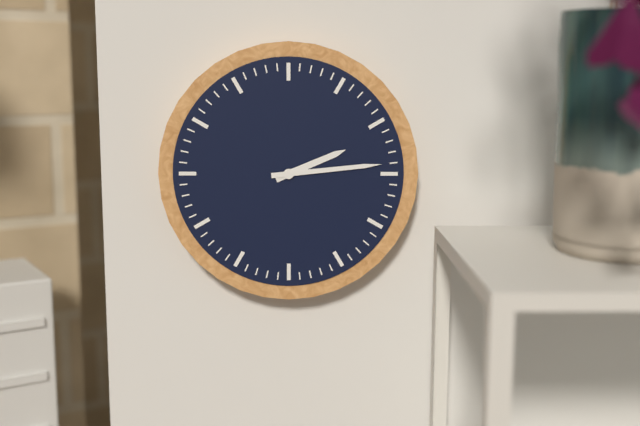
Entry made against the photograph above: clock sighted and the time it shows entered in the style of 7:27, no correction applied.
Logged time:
2:14
